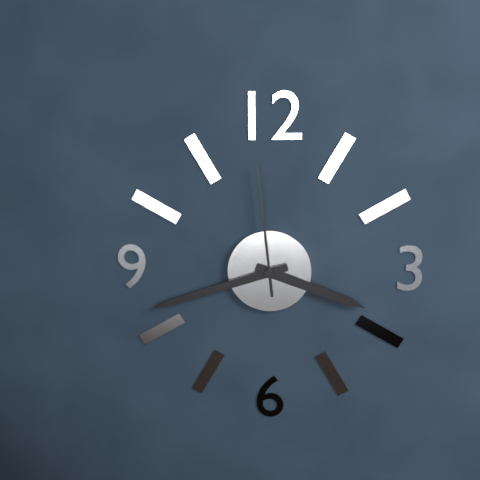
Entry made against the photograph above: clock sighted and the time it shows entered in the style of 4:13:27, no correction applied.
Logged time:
3:42:59
